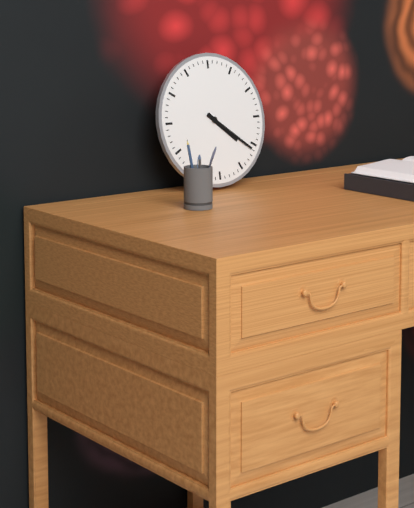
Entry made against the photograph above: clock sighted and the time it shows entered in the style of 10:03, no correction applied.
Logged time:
4:21
